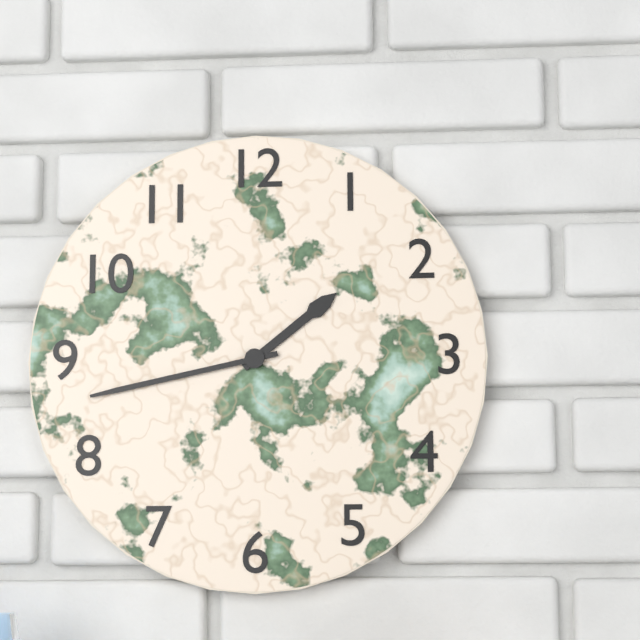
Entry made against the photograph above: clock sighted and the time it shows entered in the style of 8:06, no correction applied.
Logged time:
1:43
